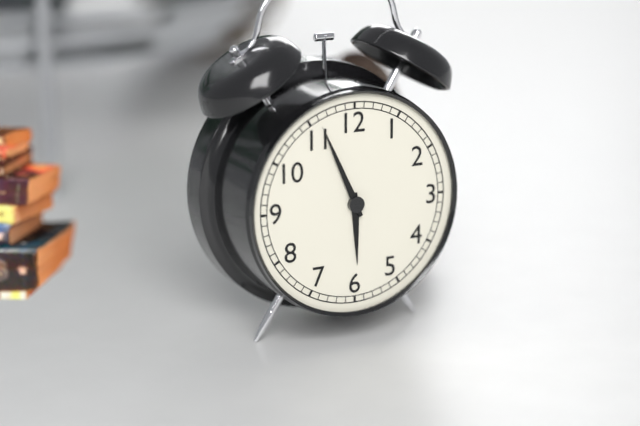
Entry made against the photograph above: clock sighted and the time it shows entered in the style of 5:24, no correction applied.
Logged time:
5:56
